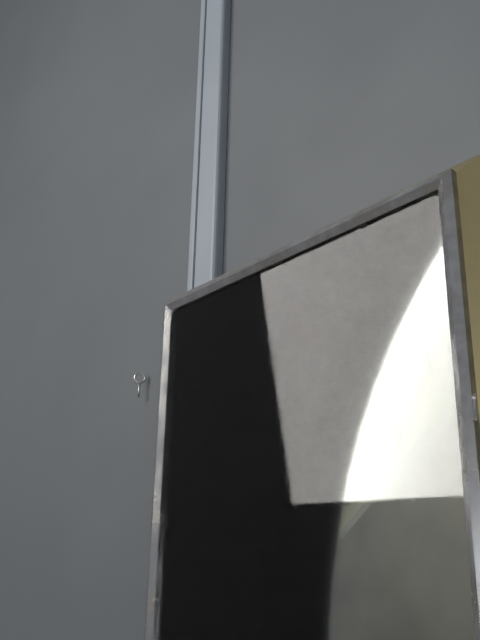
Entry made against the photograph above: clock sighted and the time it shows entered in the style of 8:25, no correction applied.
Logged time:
4:54
